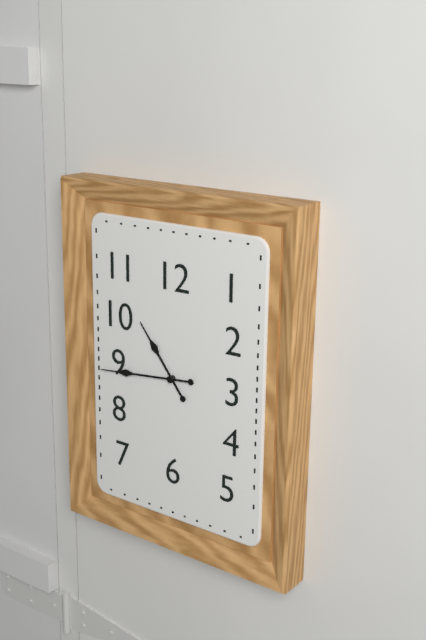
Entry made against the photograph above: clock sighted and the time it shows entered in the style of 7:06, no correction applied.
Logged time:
10:44
